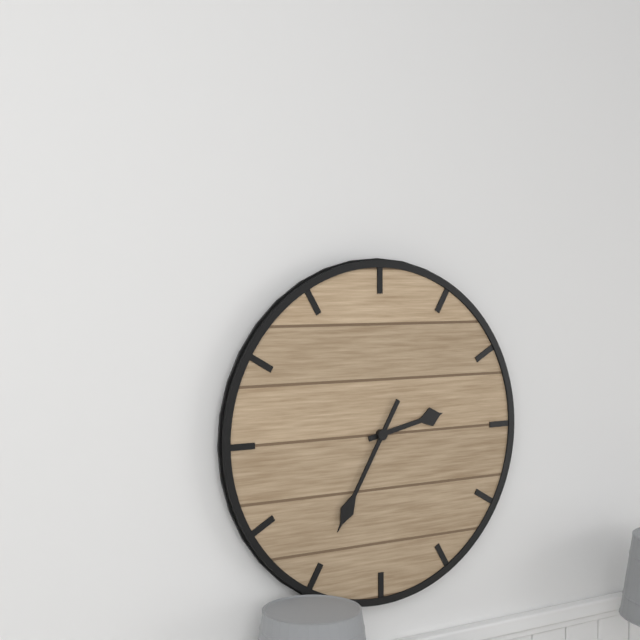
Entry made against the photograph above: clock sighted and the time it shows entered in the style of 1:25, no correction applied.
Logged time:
2:35
